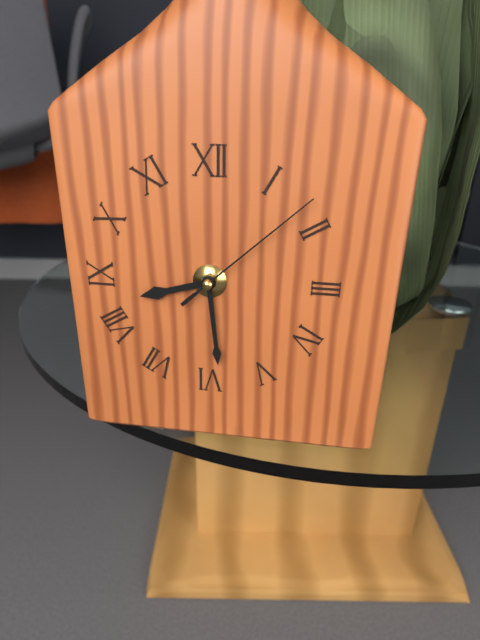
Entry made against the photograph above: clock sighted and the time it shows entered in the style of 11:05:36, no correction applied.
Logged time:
8:29:08
